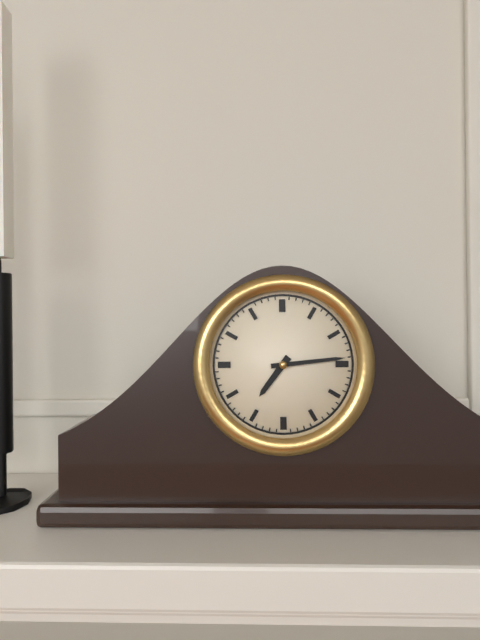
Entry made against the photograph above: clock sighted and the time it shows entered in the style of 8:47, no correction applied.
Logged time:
7:14
